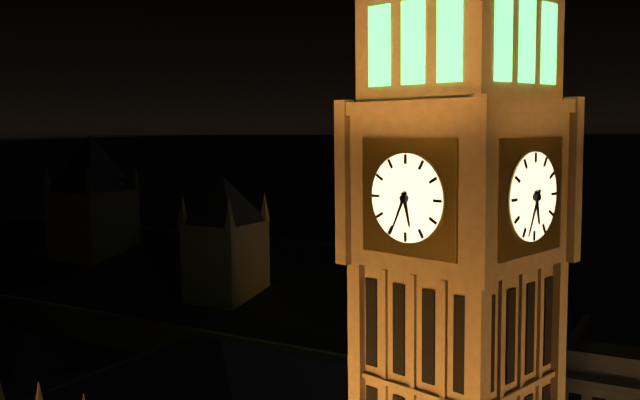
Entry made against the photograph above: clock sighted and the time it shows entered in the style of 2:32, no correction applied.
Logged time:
5:34
